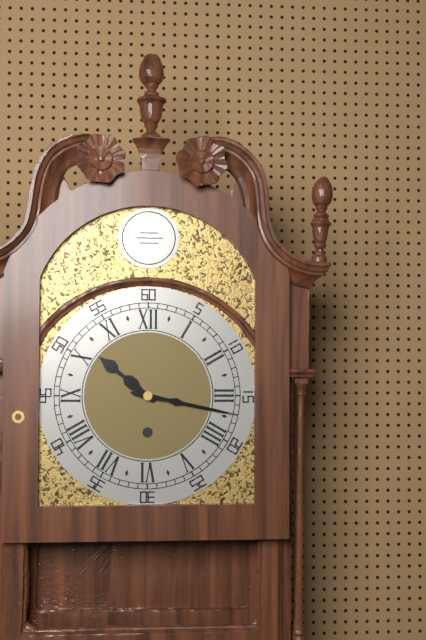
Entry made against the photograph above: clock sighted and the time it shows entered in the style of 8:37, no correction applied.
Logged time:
10:17
